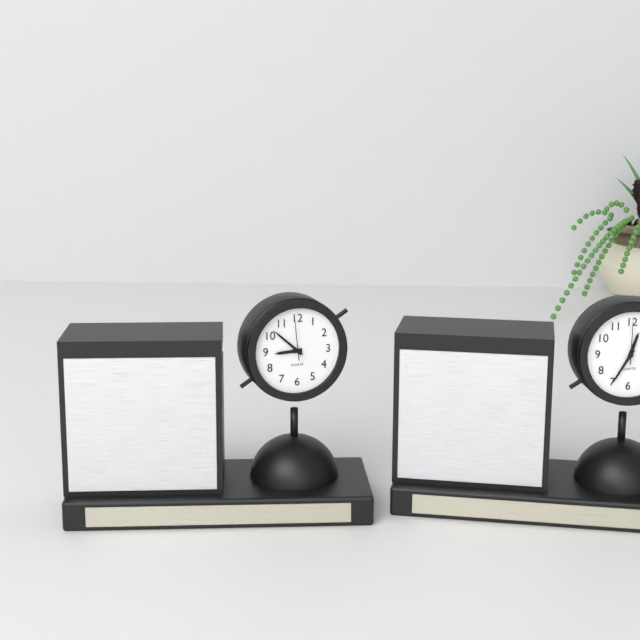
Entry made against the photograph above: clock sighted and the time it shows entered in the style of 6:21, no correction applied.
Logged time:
8:52
